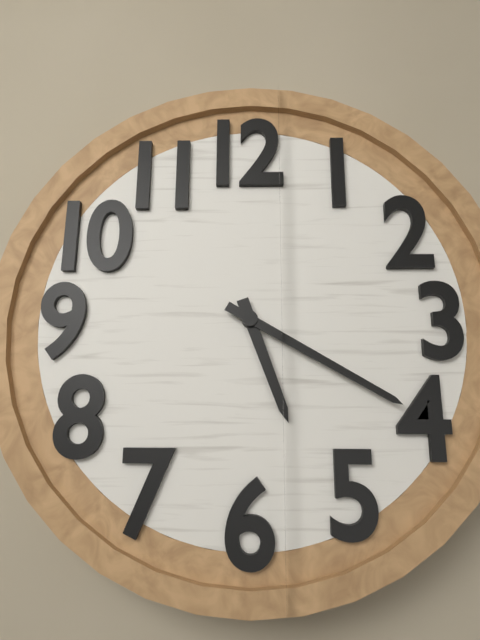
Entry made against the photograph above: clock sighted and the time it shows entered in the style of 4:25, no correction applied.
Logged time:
5:20
